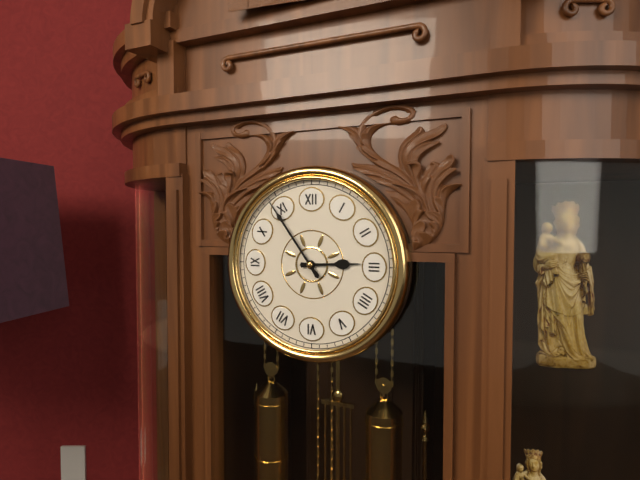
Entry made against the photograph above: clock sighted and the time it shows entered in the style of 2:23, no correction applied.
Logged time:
2:54
